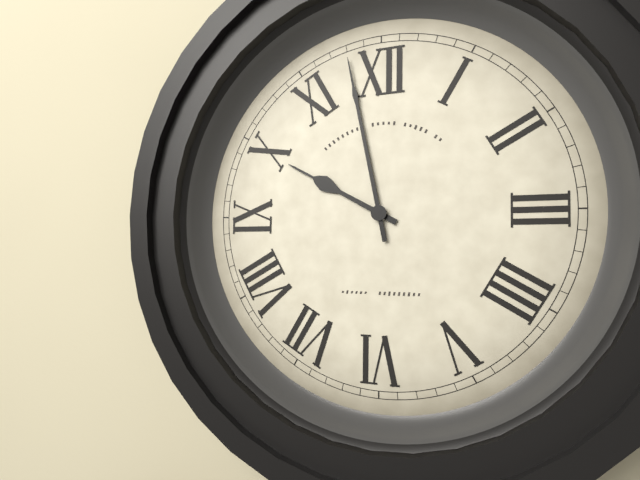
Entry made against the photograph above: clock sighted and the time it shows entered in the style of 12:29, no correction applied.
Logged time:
9:58
